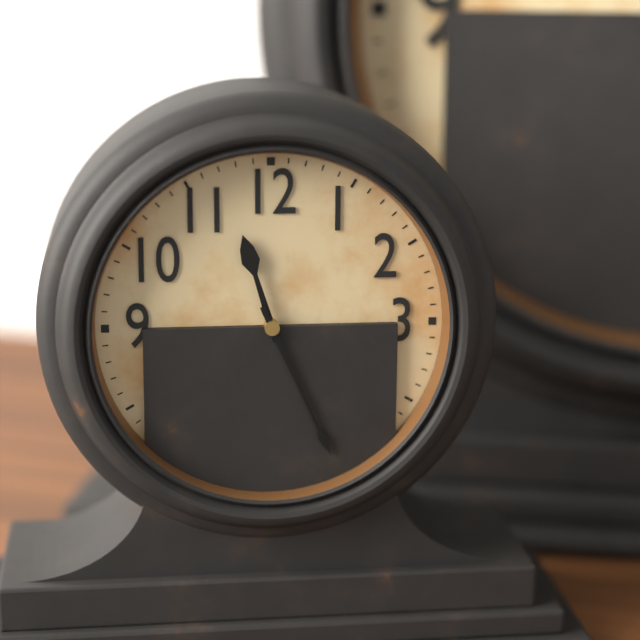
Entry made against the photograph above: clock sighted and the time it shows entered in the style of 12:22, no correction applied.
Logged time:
11:26
